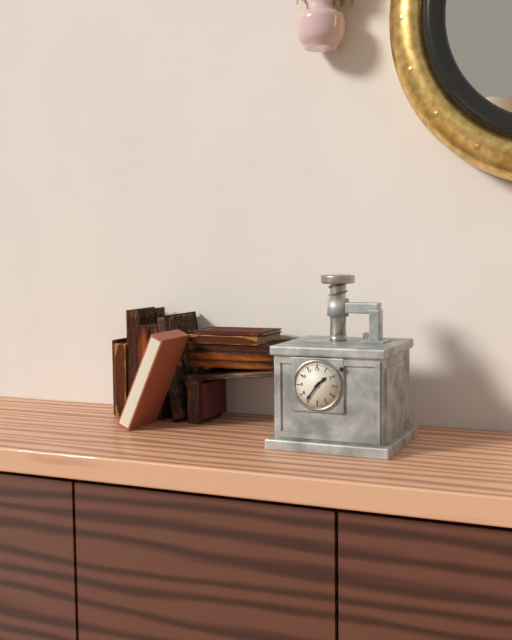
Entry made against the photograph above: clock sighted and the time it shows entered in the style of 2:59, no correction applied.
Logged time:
1:36
